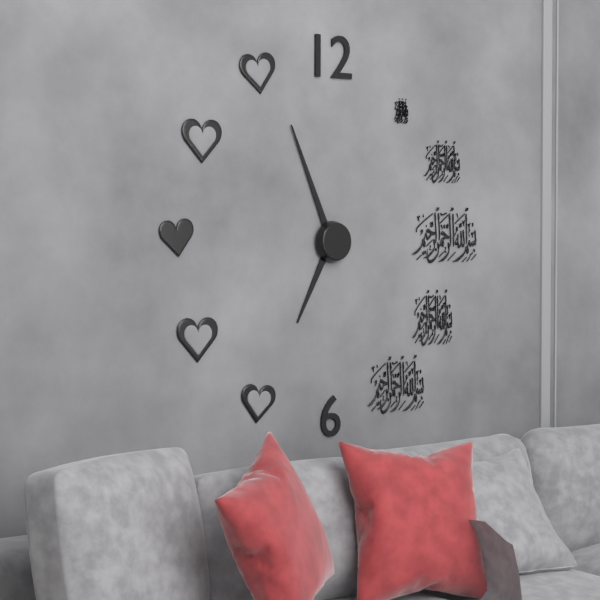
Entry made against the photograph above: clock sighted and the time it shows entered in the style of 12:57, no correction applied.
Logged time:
6:56
